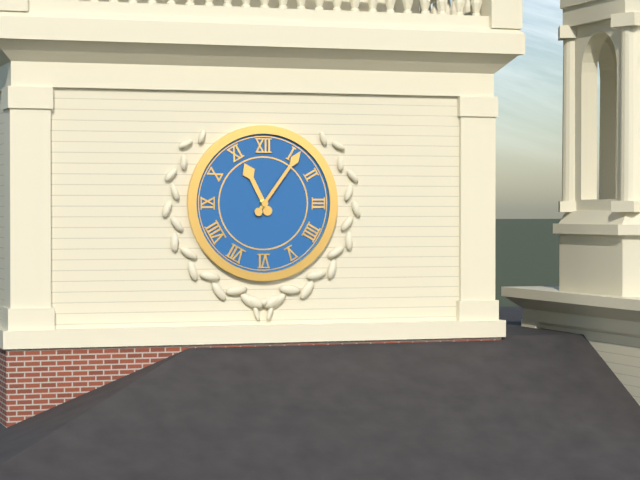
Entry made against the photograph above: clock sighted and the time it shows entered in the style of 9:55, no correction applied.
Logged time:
11:06
